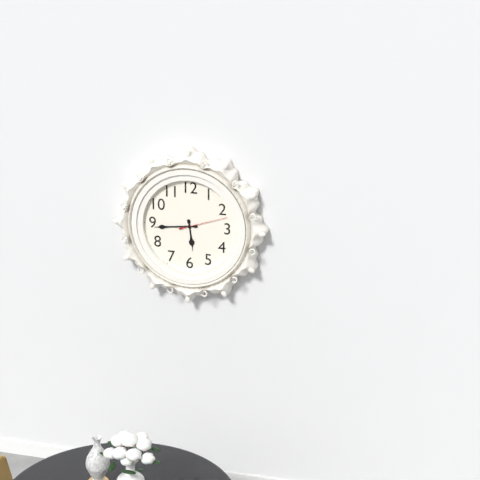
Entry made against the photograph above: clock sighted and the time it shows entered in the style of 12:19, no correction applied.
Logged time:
5:44
